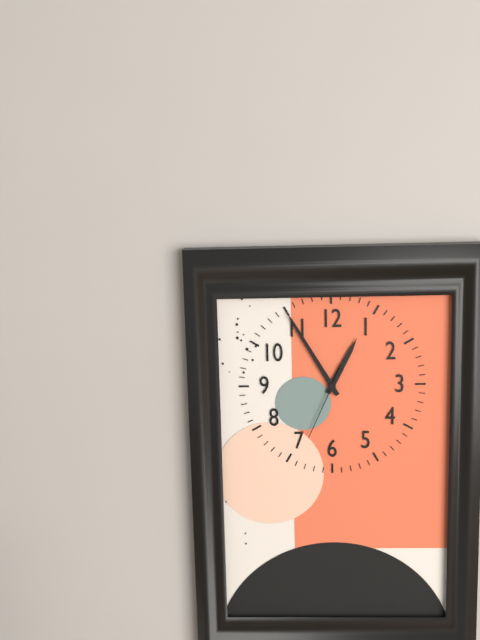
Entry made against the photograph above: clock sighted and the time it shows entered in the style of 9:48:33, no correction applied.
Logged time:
12:55:34
